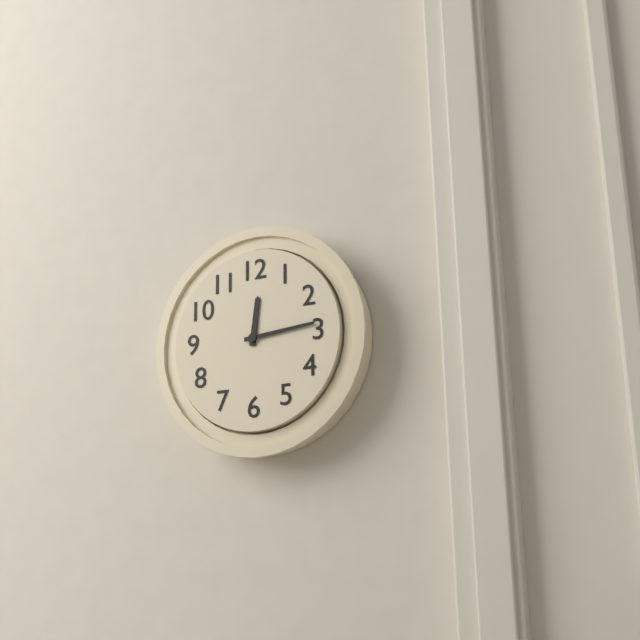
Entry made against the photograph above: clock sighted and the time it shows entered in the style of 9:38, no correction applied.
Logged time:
12:14
